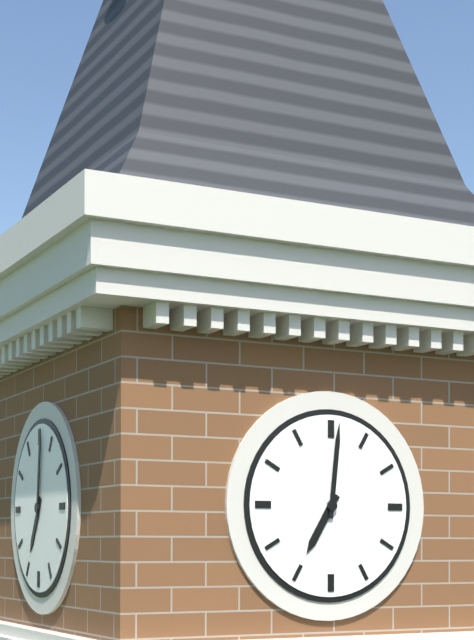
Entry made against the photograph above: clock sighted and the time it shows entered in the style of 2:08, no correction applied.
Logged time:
7:01
